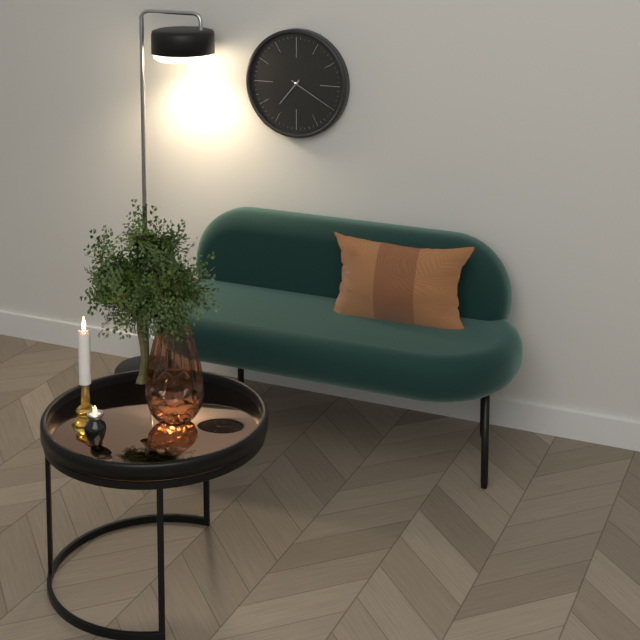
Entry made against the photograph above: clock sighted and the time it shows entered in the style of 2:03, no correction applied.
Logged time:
7:20
